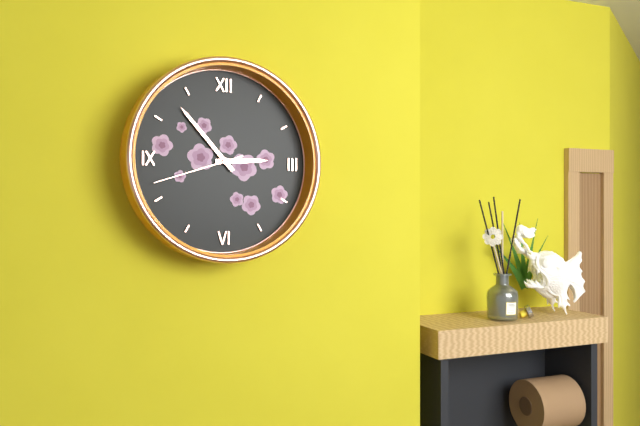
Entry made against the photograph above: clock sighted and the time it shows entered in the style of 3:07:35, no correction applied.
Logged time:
2:53:42
